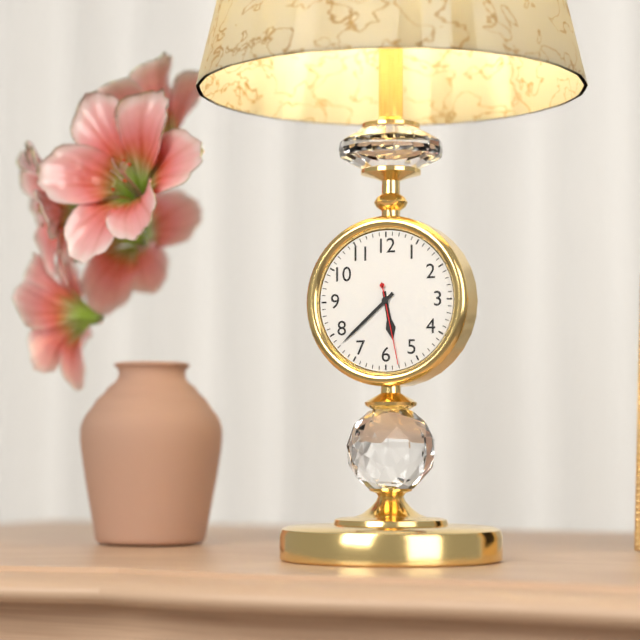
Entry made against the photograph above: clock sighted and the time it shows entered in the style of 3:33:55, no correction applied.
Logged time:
5:38:28
